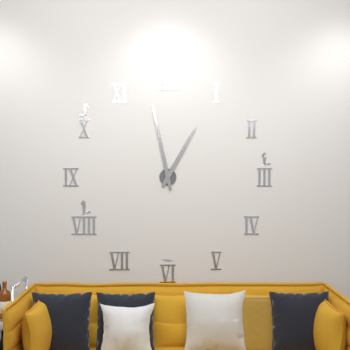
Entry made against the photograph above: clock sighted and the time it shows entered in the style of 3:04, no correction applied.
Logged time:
12:58
